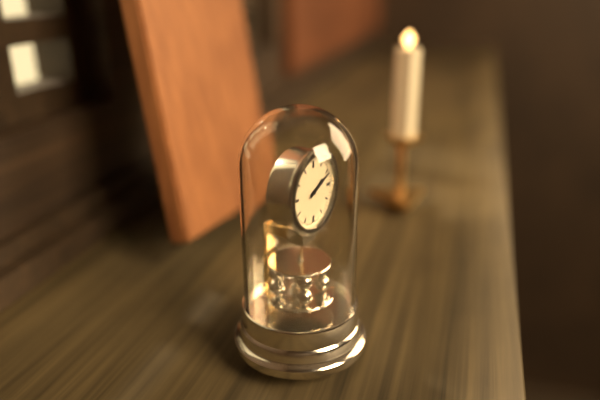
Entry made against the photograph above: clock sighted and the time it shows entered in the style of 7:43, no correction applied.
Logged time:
2:11
